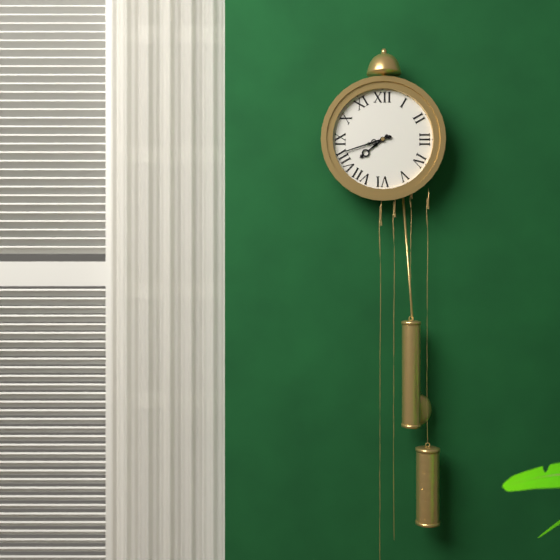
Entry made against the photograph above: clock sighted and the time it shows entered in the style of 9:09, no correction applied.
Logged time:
7:42
